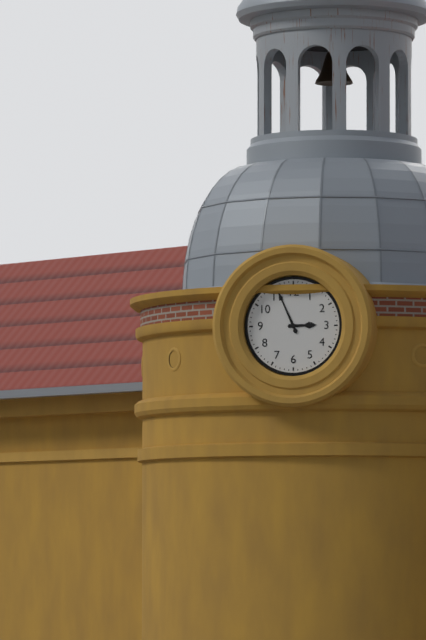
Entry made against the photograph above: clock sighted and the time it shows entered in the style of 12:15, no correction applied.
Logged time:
2:56
